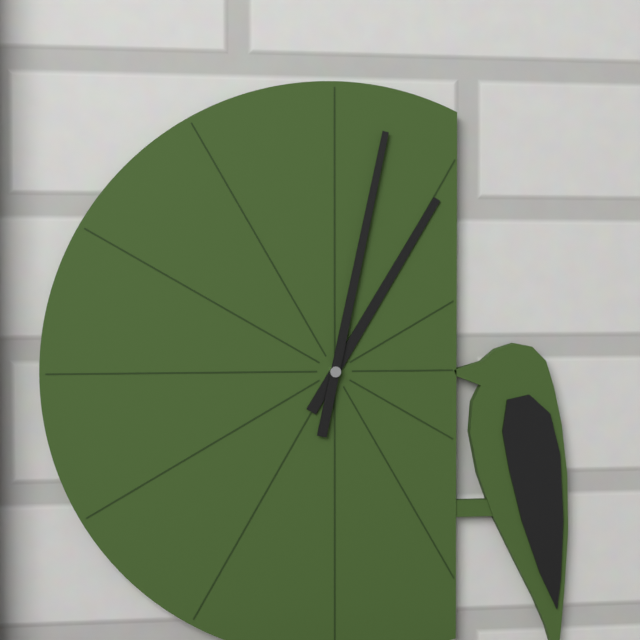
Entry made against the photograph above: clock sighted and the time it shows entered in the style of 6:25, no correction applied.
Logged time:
1:02
